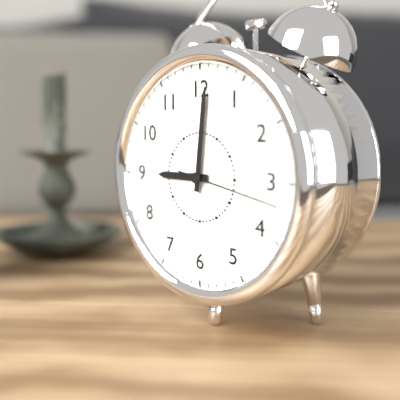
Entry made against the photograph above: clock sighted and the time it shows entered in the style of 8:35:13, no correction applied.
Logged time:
9:01:17
